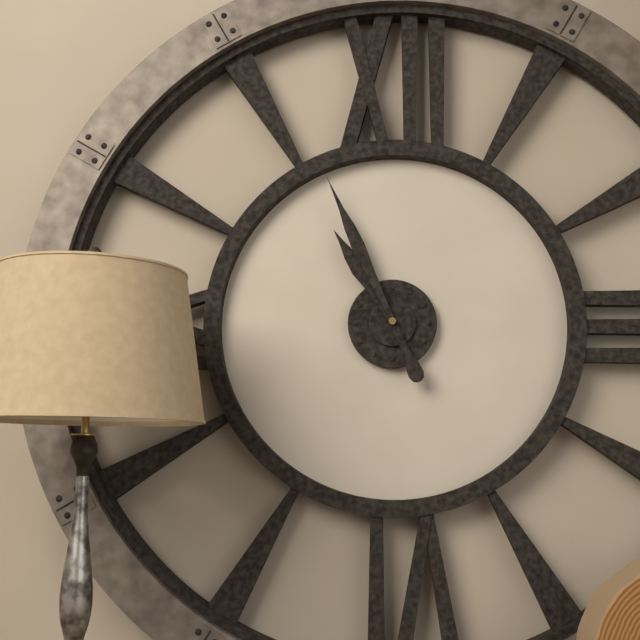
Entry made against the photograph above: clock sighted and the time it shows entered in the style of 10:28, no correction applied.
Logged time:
10:56
